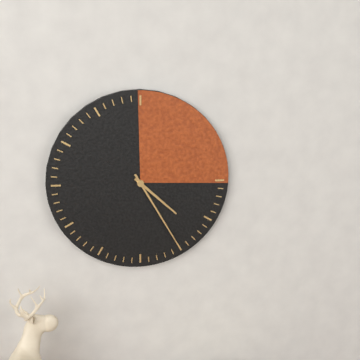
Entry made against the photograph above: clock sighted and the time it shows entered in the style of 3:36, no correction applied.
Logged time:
4:25
